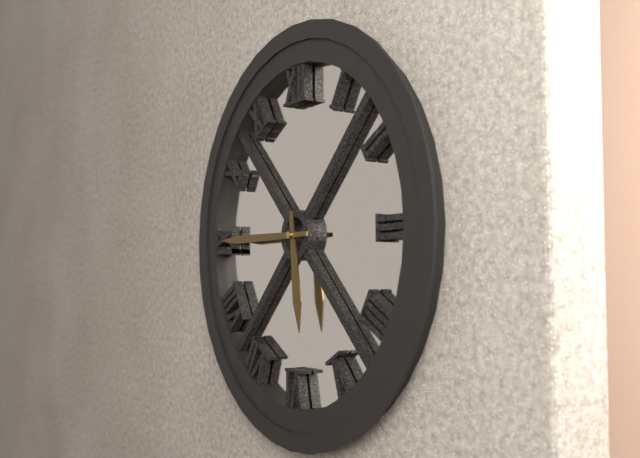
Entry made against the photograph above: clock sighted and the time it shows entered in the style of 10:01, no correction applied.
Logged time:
5:45
